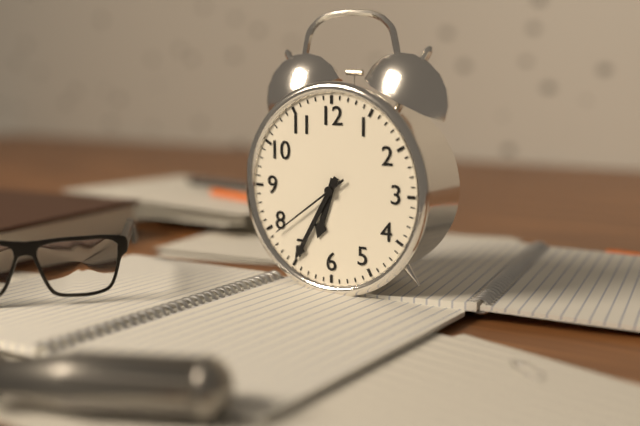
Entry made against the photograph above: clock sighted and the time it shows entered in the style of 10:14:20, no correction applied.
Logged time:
6:35:39
